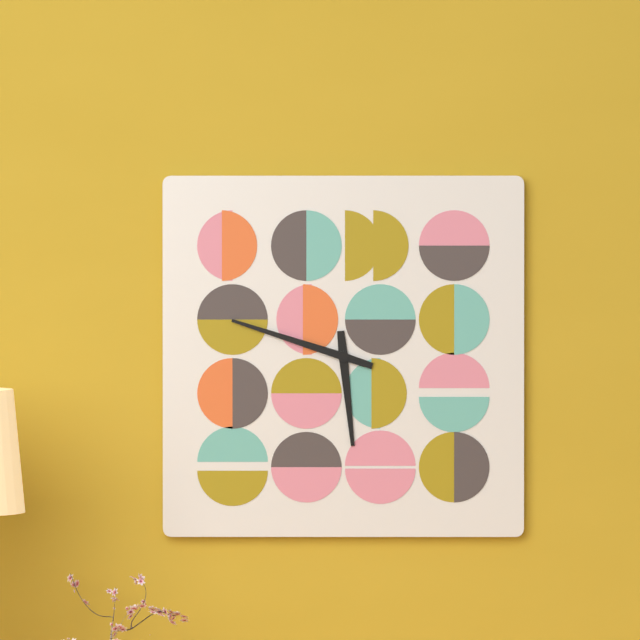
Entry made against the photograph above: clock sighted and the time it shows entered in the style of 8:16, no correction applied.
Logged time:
5:48
